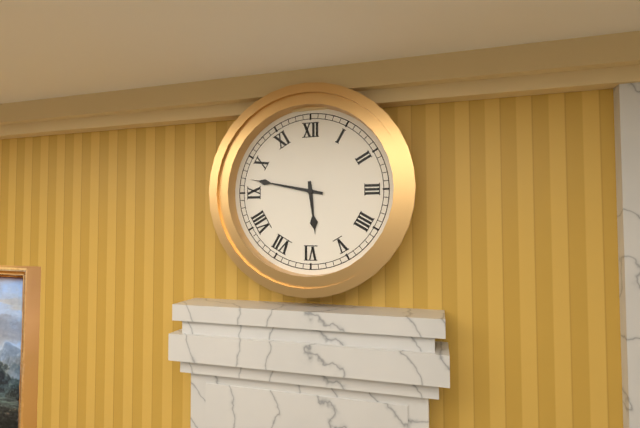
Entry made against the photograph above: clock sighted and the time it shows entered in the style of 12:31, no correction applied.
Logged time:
5:47
